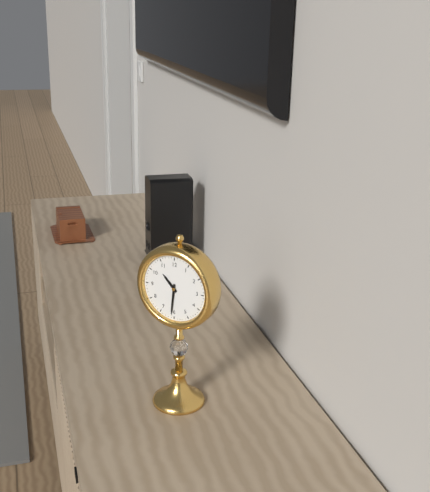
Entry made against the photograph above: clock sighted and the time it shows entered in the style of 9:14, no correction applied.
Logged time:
10:31
